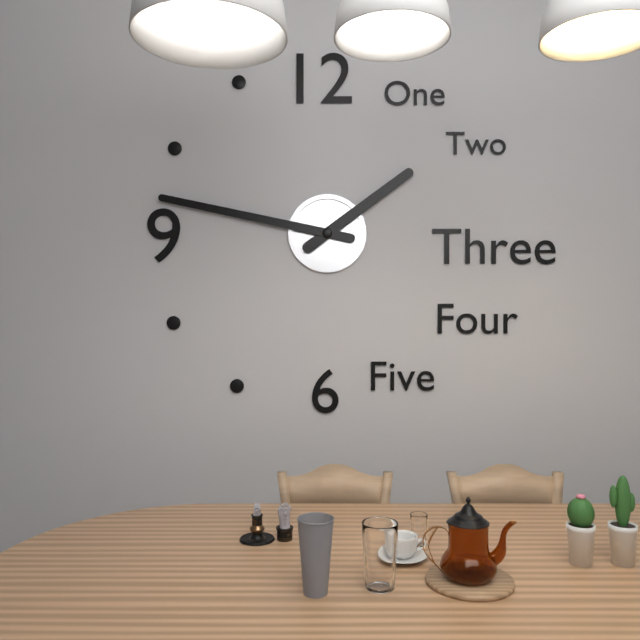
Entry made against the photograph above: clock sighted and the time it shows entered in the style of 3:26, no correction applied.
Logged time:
1:47
